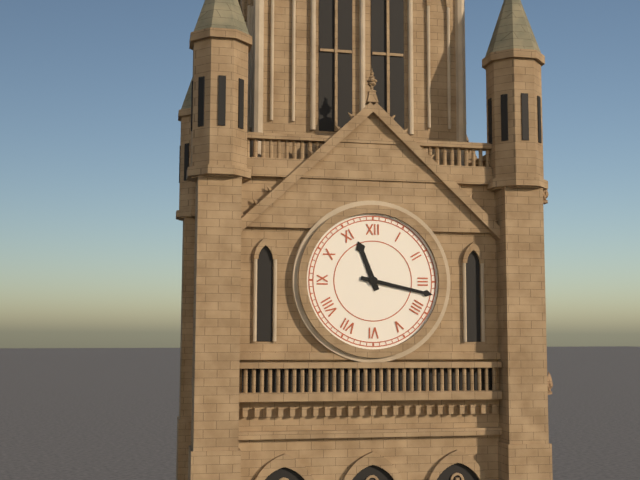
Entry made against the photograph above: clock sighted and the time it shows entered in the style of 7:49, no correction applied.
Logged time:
11:17
